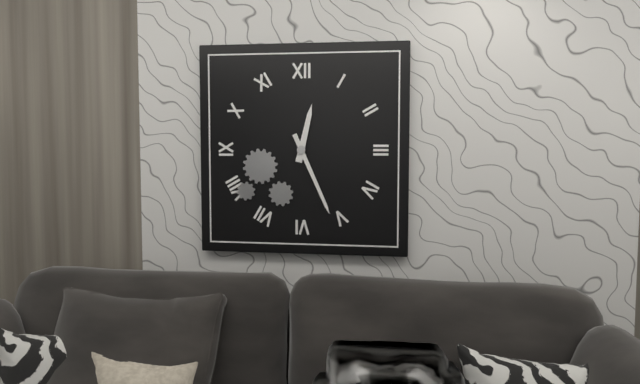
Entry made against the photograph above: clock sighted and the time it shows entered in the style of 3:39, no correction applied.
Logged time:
12:26
